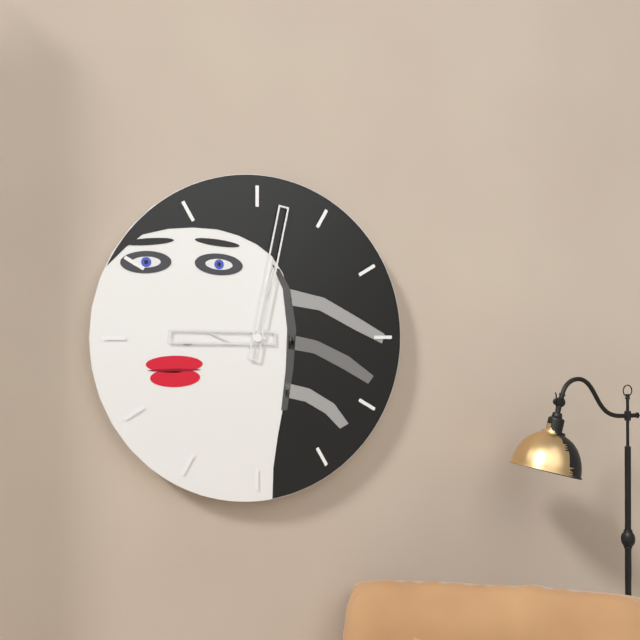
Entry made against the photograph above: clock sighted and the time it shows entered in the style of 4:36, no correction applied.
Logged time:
9:02
